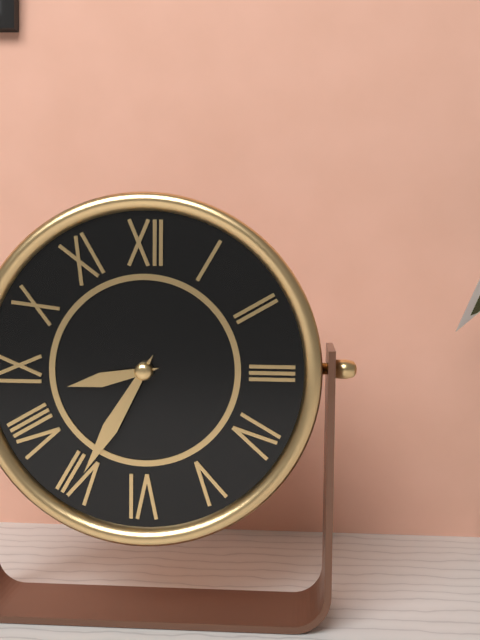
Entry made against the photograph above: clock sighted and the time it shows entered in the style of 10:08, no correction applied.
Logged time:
8:35
